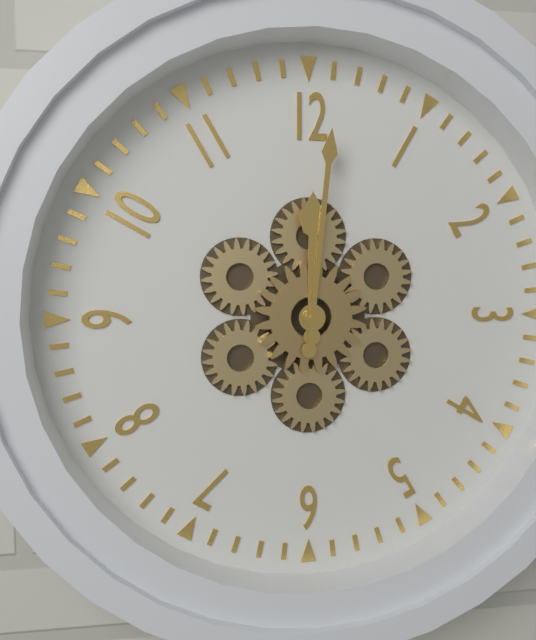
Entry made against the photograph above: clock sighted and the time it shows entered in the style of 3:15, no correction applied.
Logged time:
12:01
